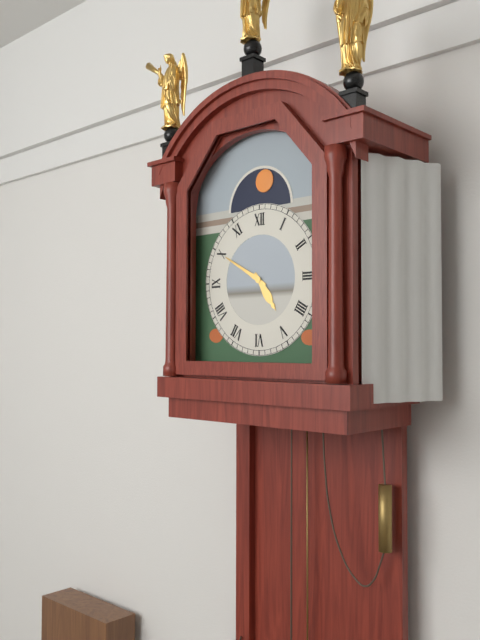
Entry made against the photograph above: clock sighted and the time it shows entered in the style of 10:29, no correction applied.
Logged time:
4:50
